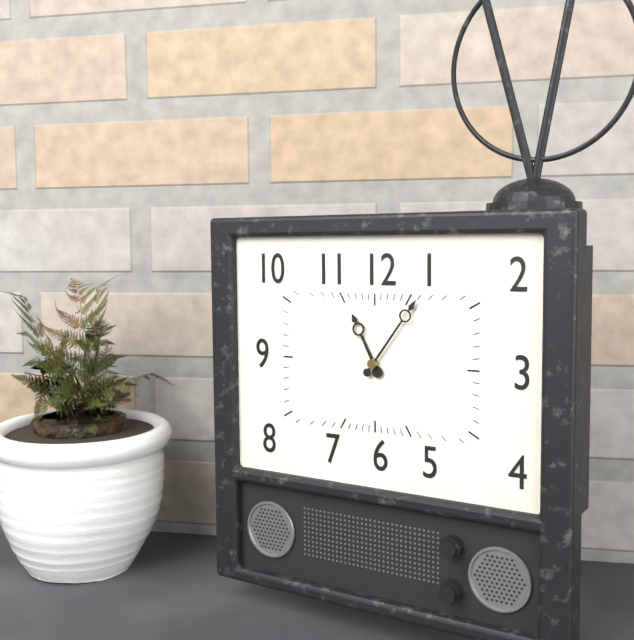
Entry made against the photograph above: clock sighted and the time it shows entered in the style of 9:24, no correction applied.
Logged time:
11:06
